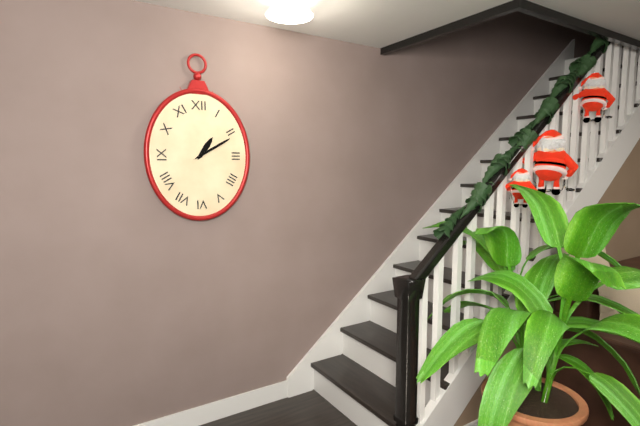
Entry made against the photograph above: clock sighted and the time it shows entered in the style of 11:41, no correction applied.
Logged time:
1:10
